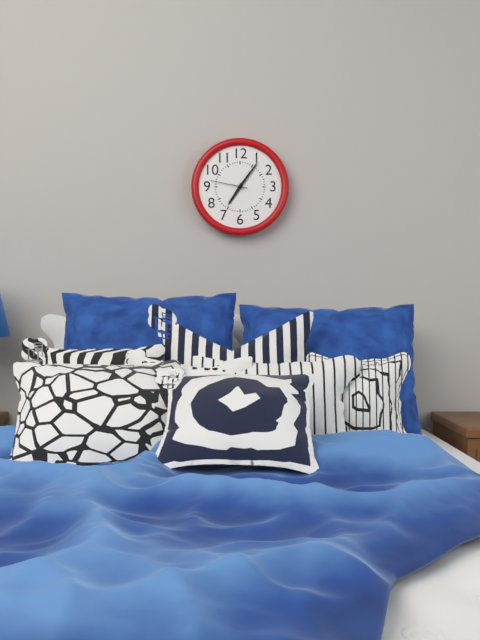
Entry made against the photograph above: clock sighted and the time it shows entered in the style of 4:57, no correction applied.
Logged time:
7:06
